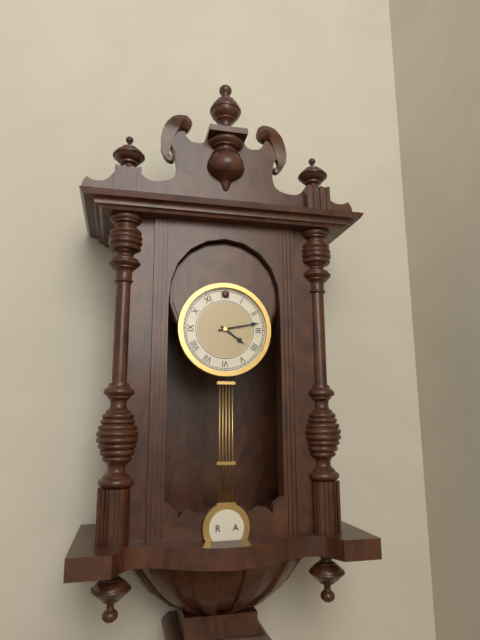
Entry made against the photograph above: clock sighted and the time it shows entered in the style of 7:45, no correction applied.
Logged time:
4:13
